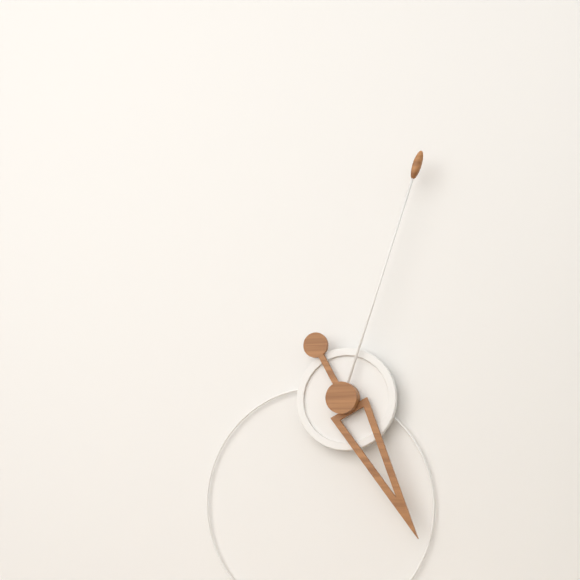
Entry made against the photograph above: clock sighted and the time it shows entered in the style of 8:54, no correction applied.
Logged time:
5:03
